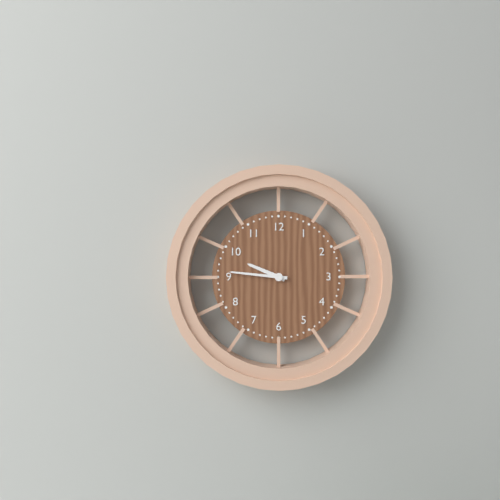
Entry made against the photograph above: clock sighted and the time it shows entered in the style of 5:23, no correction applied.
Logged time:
9:46
